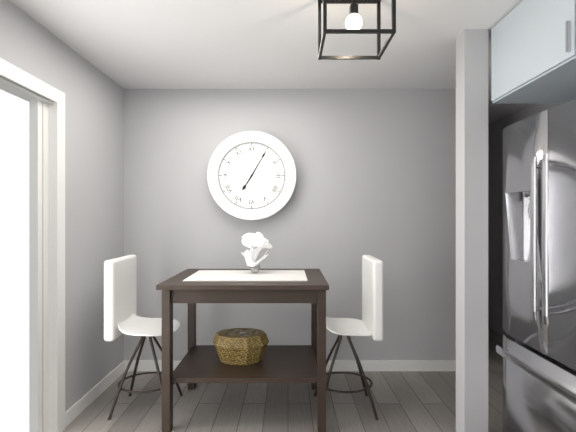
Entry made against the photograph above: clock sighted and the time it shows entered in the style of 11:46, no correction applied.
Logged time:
7:05
